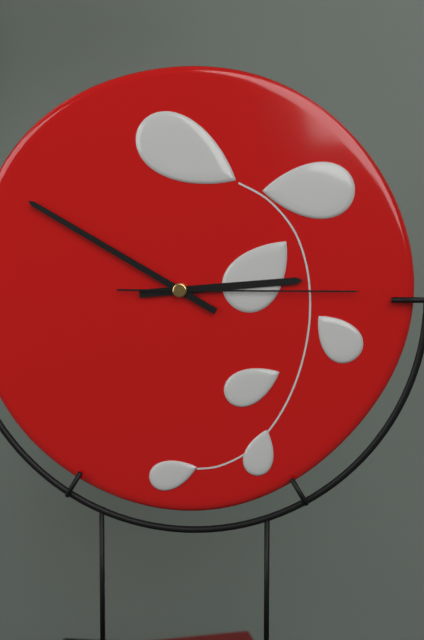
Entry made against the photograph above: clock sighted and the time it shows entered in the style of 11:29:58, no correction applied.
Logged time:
2:50:15
